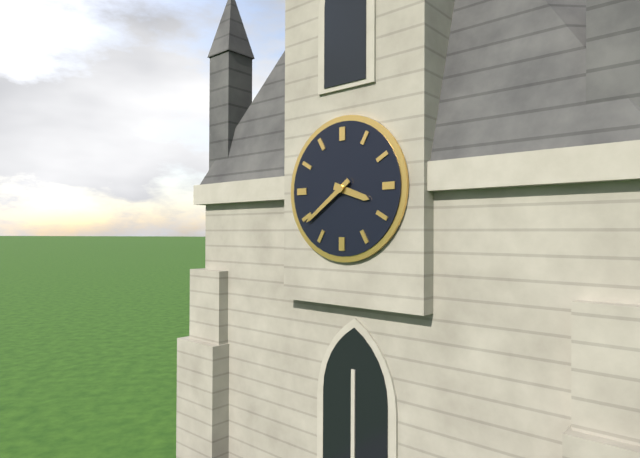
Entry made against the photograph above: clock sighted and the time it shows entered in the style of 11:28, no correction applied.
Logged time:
3:39
